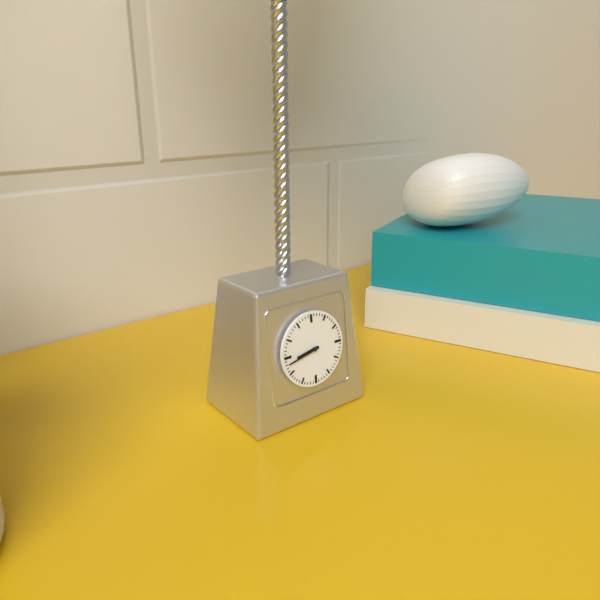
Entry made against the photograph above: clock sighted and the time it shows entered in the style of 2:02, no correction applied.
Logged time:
8:43
